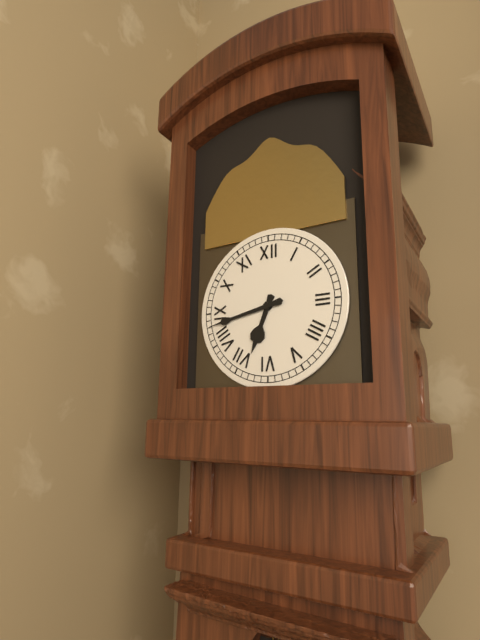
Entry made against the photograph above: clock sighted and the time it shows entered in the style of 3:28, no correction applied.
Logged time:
6:43
